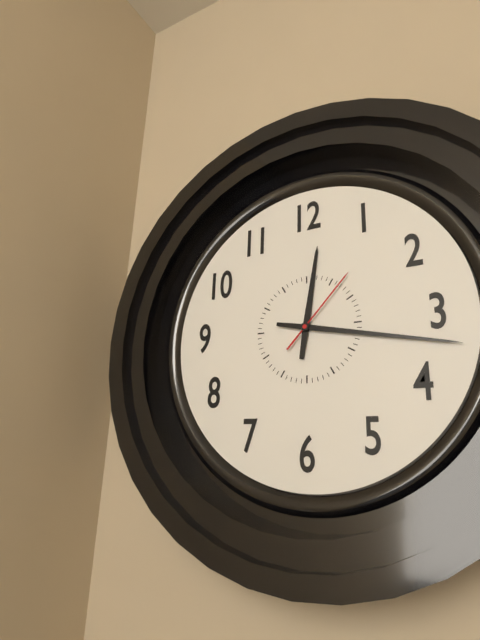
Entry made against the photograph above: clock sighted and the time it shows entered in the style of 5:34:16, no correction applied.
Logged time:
12:17:07
